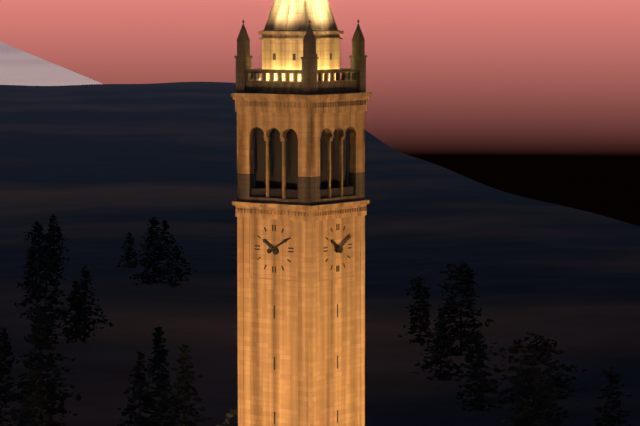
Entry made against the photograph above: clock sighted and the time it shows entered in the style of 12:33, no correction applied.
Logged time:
10:10
